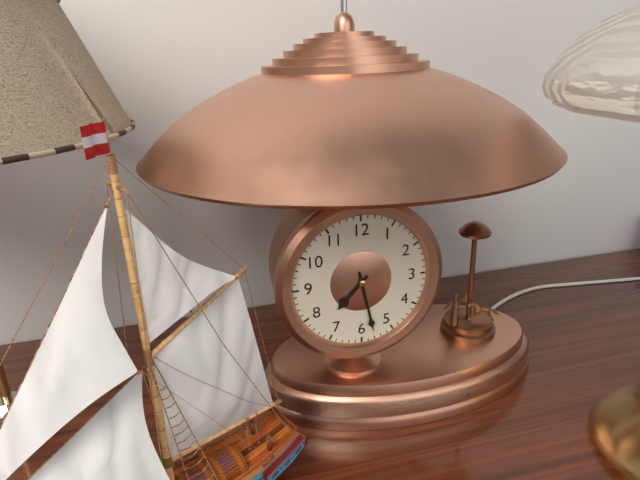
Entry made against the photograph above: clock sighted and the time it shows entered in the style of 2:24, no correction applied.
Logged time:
7:28
